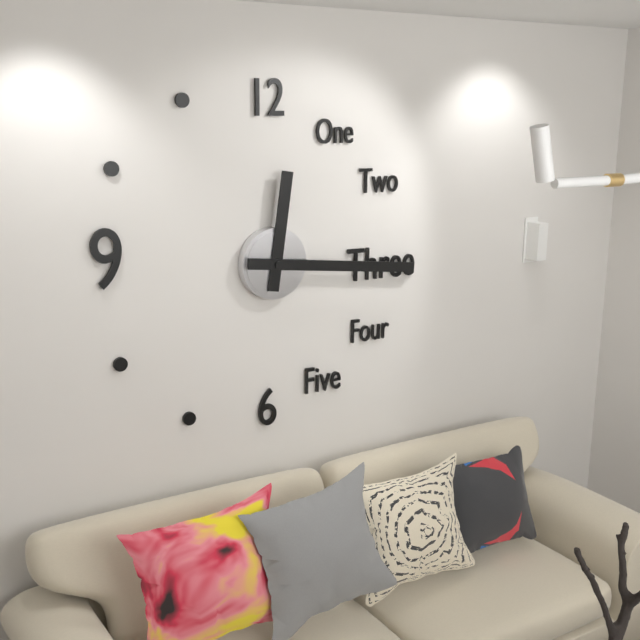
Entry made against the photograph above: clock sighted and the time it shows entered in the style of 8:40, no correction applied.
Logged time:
12:16
